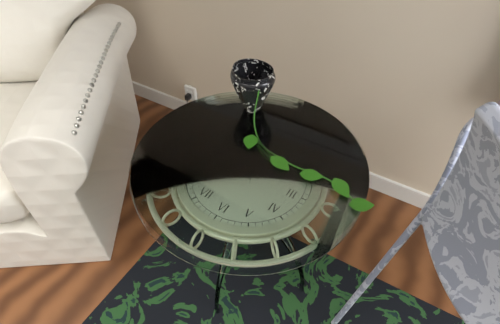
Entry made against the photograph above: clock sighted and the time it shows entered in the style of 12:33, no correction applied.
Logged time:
10:39
